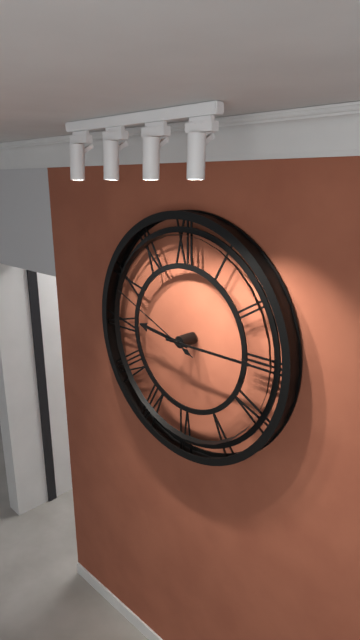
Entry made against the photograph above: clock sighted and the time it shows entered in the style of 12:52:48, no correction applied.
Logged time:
9:15:49
